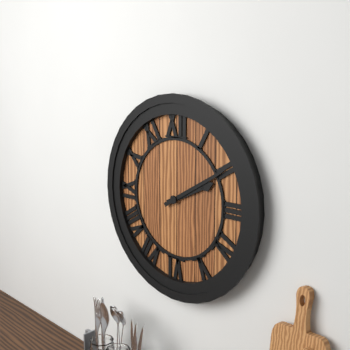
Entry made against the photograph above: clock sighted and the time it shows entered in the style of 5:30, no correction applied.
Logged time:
2:10
